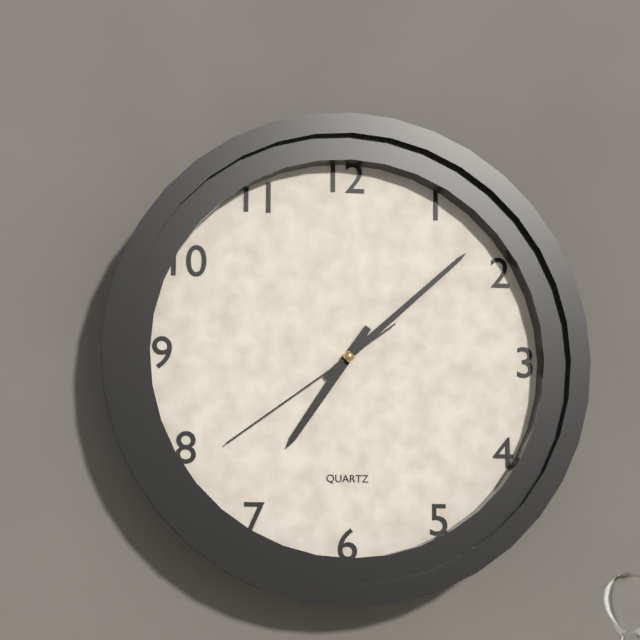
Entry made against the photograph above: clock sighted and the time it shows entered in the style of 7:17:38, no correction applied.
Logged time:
7:08:39
